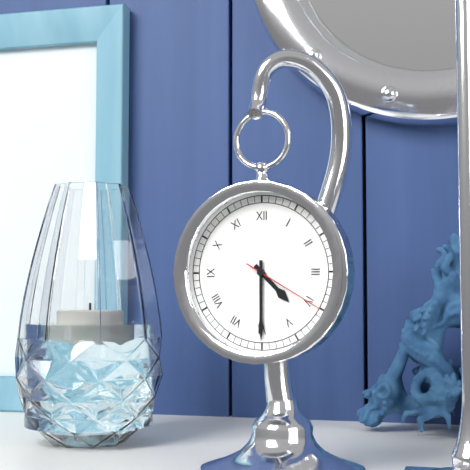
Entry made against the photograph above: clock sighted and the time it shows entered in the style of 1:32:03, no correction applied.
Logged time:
4:30:20
